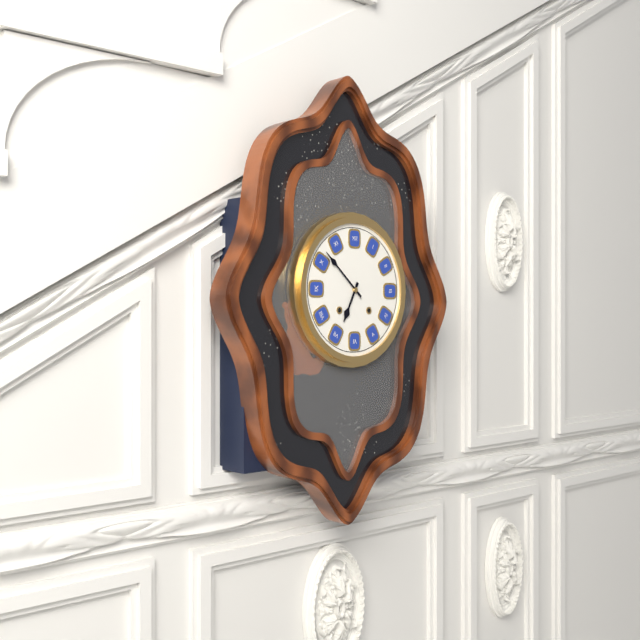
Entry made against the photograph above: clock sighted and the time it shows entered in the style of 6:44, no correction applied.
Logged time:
6:52
